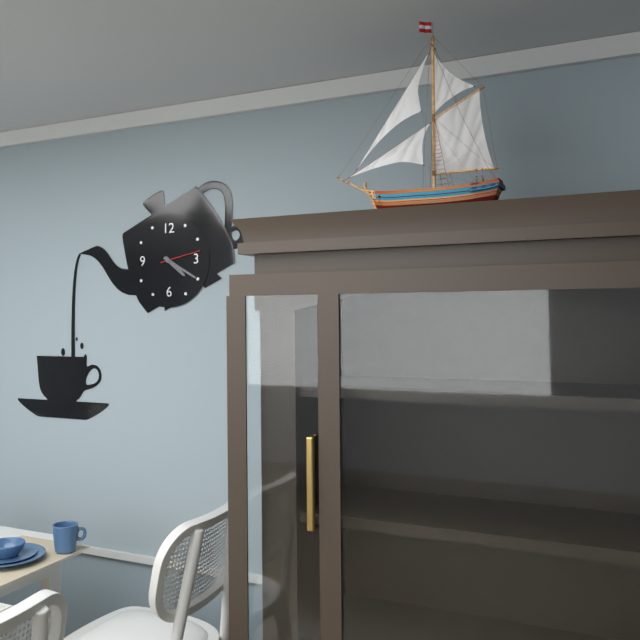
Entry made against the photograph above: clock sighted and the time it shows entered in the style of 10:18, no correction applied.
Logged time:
4:20
